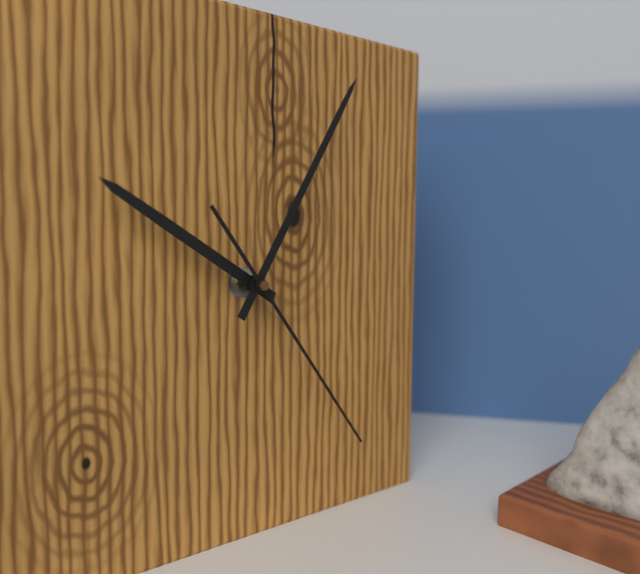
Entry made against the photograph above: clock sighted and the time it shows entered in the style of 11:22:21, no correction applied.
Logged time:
10:05:24
